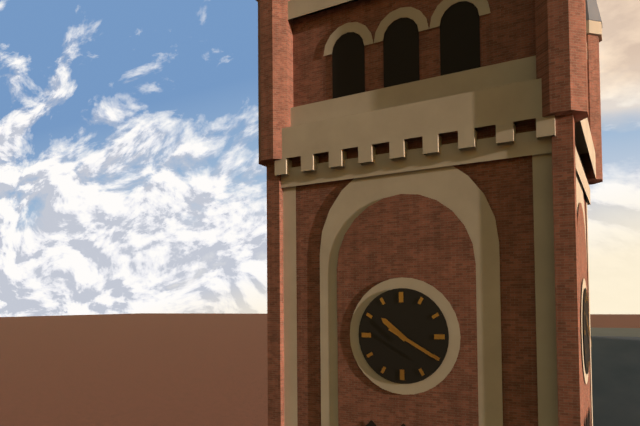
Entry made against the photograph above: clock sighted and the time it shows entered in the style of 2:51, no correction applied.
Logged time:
10:20
